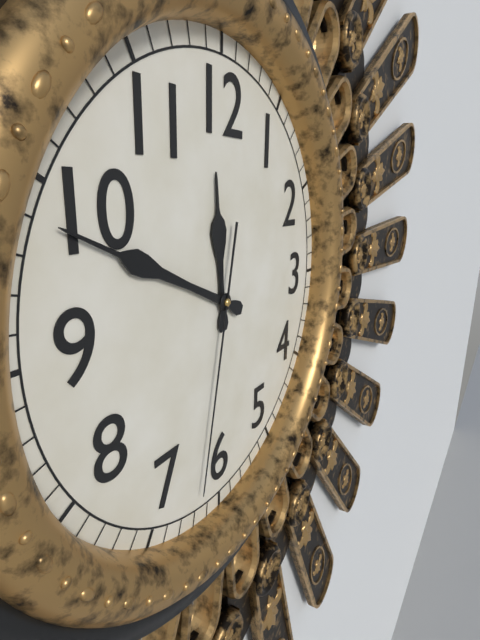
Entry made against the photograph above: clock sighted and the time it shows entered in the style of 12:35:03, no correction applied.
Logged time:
11:49:32
